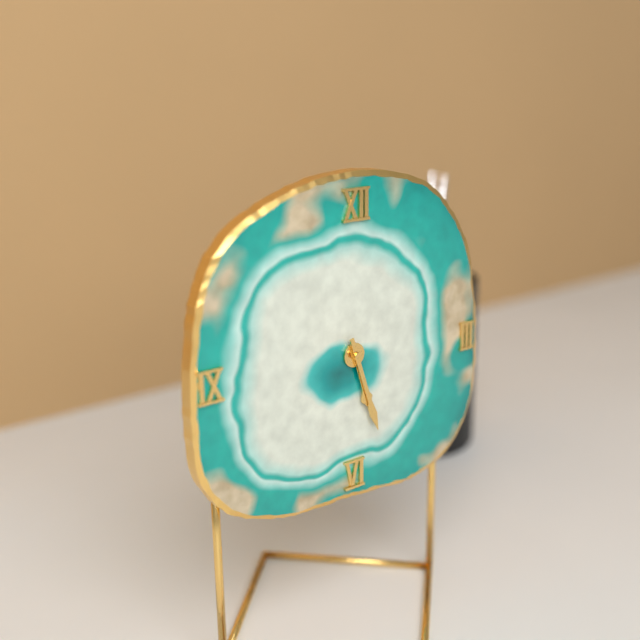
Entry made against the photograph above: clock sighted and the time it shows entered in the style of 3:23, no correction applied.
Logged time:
5:27
